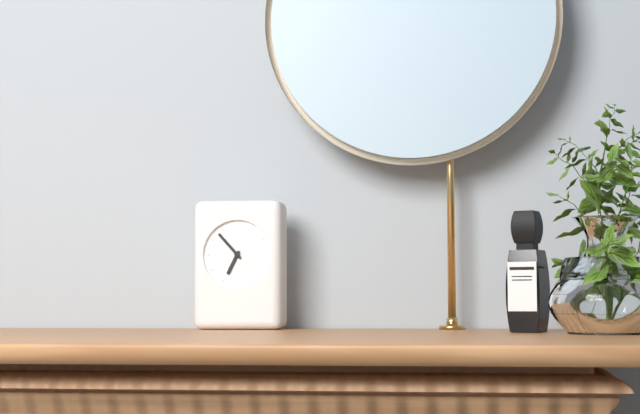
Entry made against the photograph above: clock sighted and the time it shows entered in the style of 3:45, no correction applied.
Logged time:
6:53
